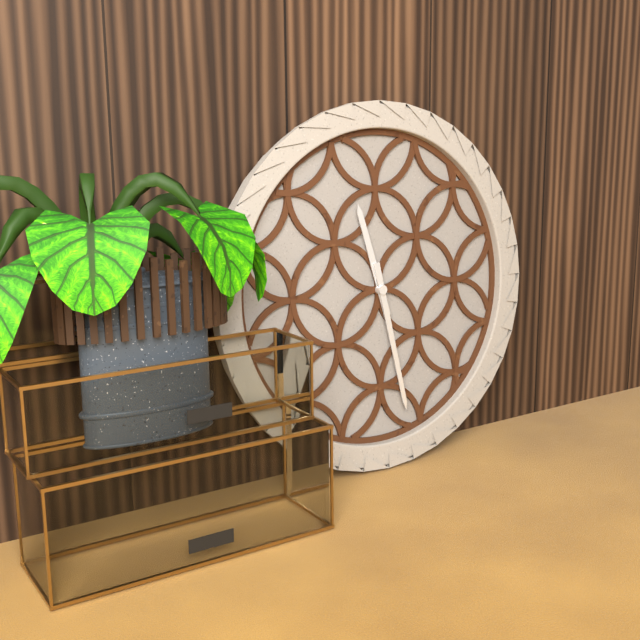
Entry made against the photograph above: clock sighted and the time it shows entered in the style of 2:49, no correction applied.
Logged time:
11:28
